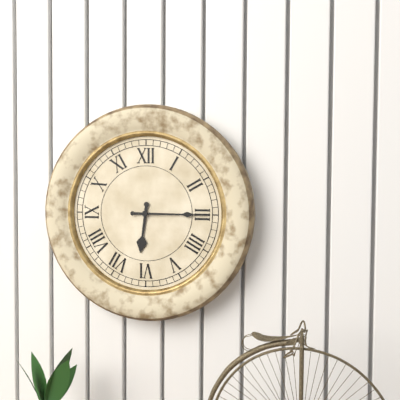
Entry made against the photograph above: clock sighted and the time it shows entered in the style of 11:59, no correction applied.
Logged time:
6:15
